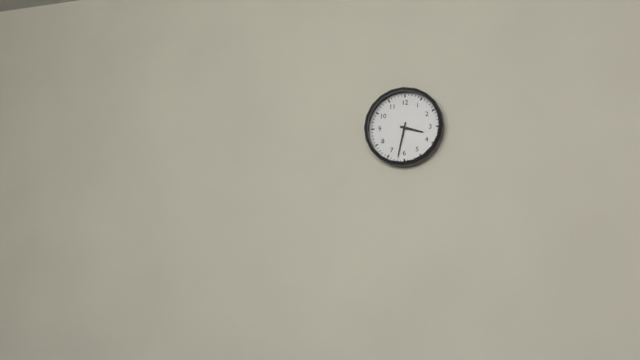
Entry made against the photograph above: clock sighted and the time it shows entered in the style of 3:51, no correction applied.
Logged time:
3:32
